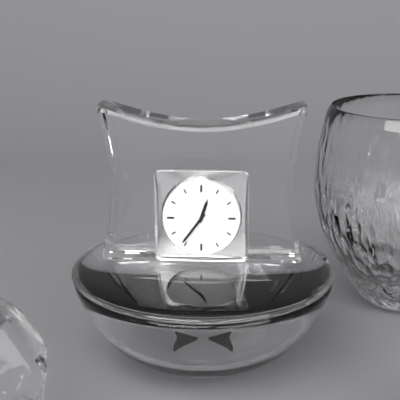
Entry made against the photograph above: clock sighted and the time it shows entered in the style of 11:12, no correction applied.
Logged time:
12:36
